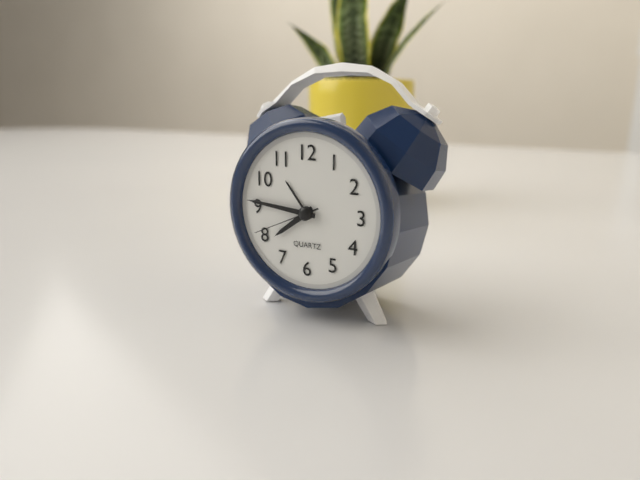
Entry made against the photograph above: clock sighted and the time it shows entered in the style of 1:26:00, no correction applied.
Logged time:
7:46:41
